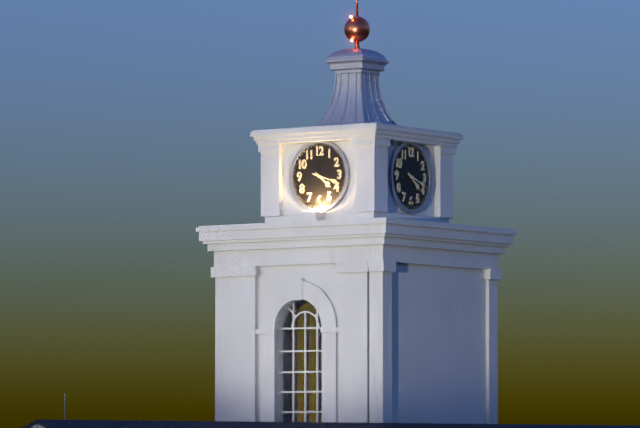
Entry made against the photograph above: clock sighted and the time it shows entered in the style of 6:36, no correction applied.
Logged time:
4:18
